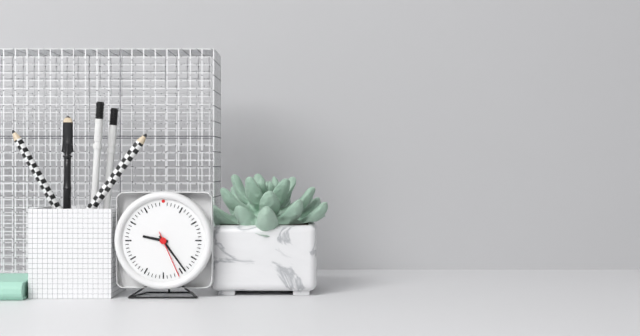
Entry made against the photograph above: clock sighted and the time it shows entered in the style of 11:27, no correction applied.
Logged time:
9:24
